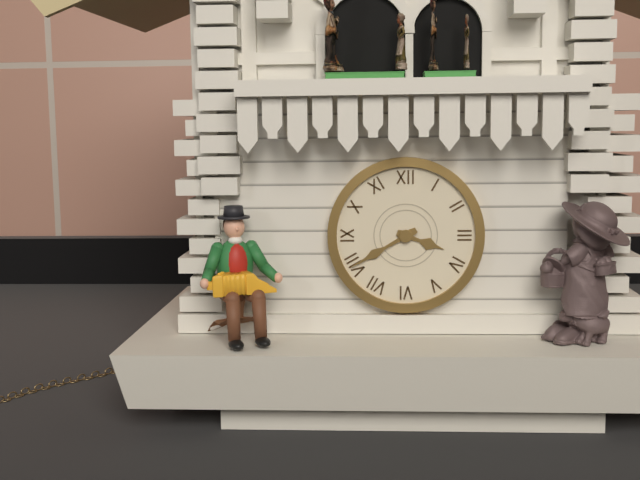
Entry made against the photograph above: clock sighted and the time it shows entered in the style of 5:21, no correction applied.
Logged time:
3:40
